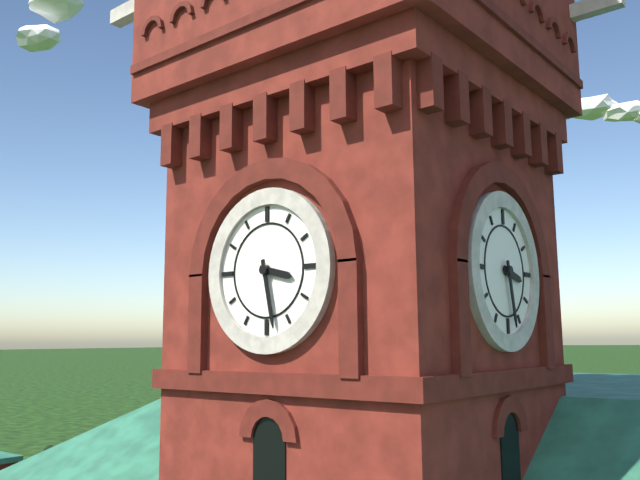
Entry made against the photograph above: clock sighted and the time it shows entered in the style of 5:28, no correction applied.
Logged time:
3:28
